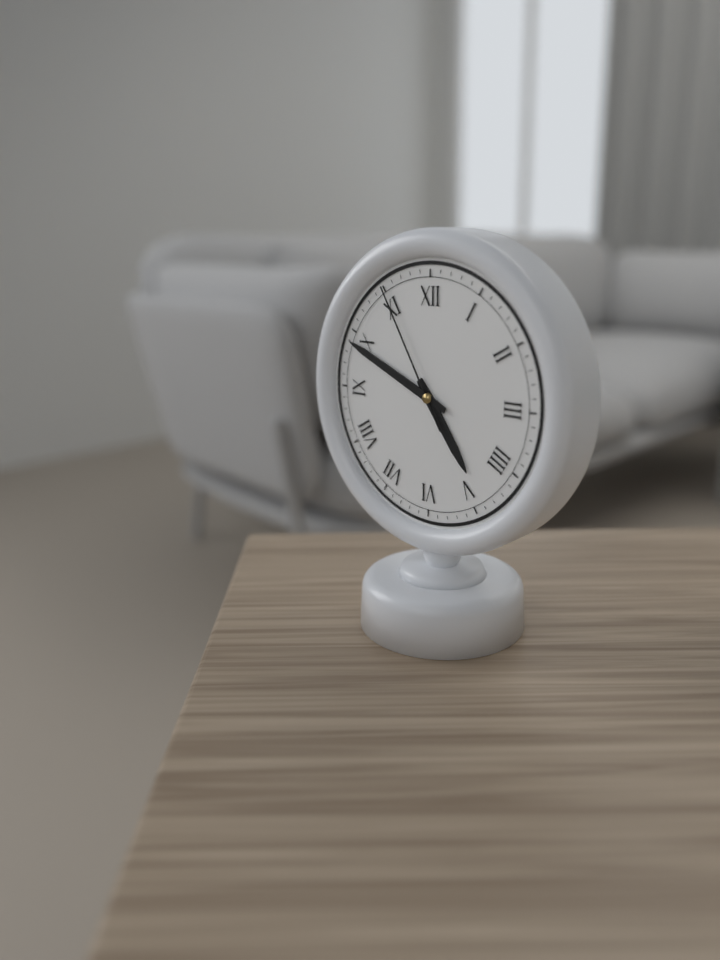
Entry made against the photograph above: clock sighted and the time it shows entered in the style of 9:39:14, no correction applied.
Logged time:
4:49:55
